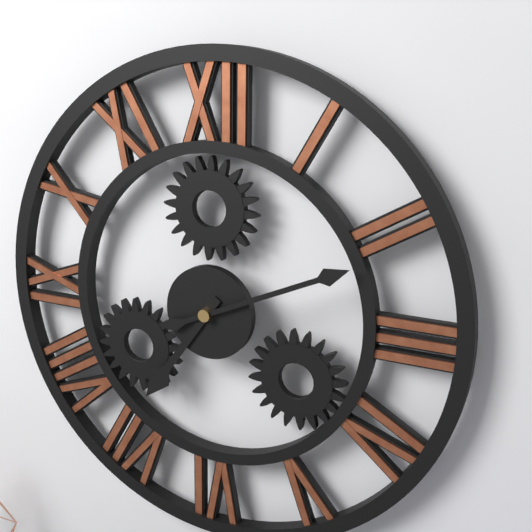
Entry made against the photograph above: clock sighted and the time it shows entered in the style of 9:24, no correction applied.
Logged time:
7:11
